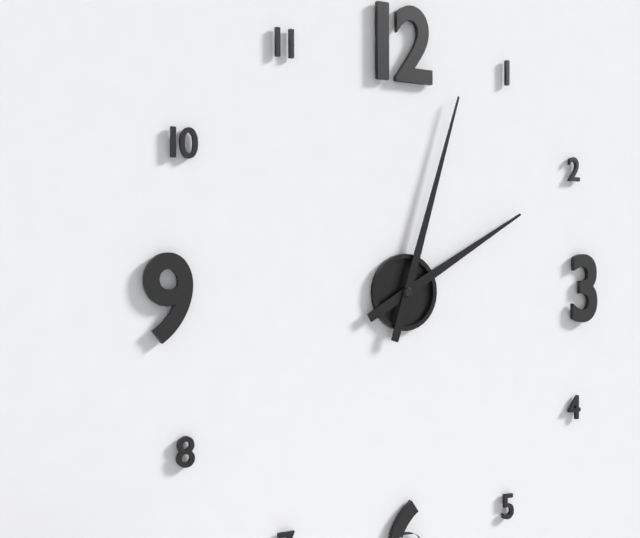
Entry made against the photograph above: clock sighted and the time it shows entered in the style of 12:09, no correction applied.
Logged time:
2:03
